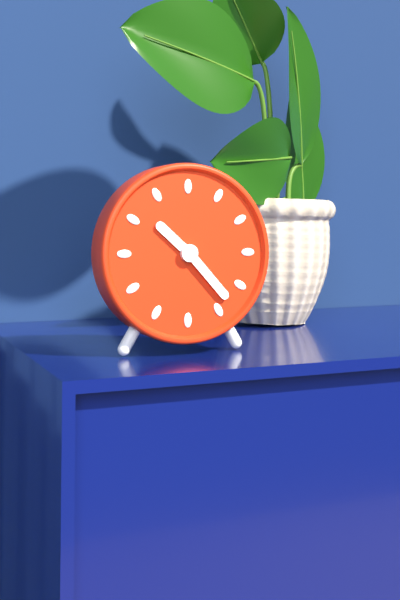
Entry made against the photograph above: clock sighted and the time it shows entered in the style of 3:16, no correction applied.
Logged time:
10:23
